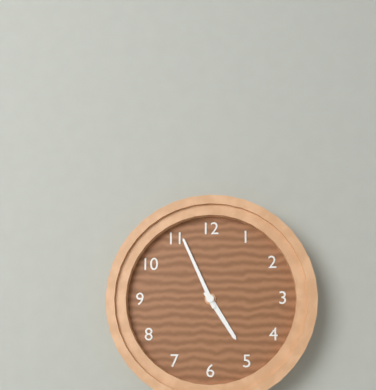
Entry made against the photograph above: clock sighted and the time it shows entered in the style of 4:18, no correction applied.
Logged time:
4:56
